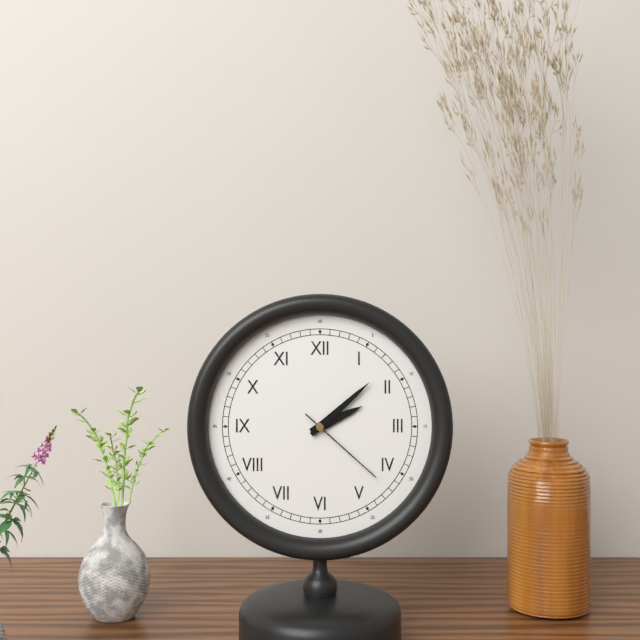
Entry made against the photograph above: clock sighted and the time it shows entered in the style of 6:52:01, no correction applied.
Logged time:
2:08:22
